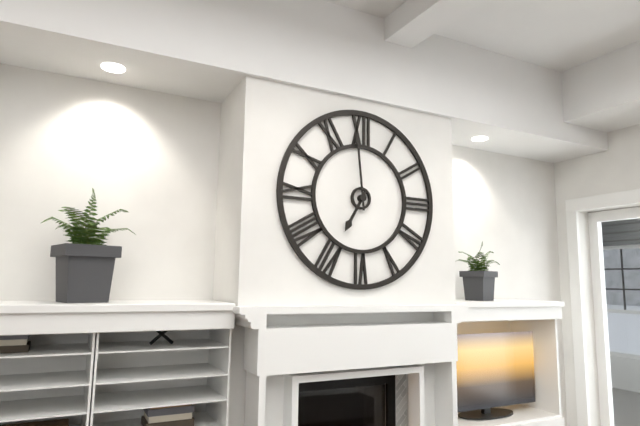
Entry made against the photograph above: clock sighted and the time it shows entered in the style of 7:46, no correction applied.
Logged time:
6:59
